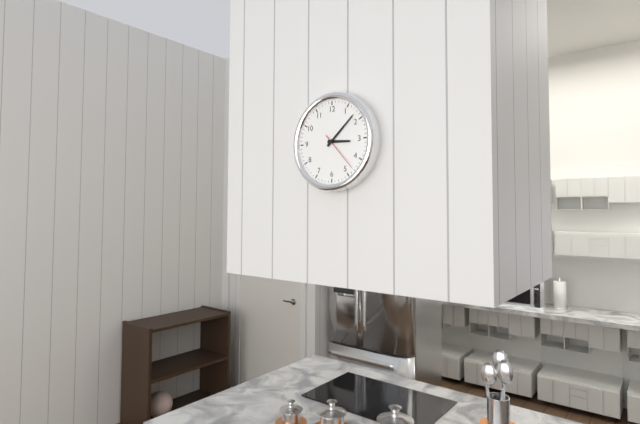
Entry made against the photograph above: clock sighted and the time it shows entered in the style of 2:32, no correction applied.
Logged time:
3:08
